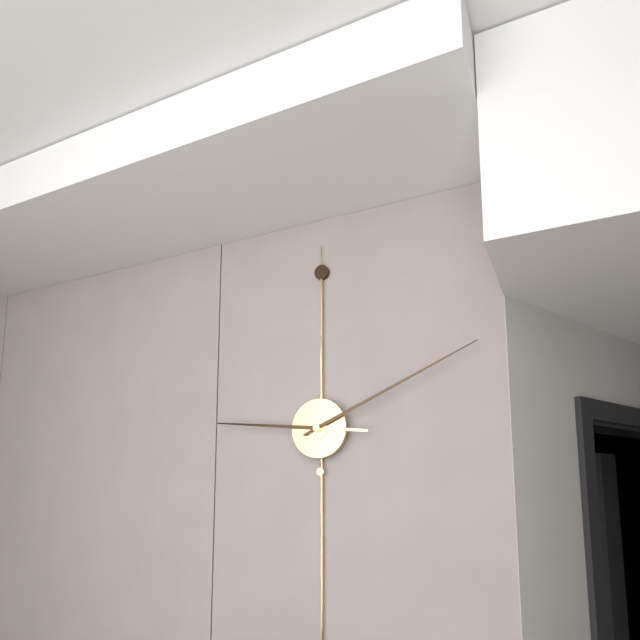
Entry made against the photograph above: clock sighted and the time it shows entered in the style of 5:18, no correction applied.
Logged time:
9:11
